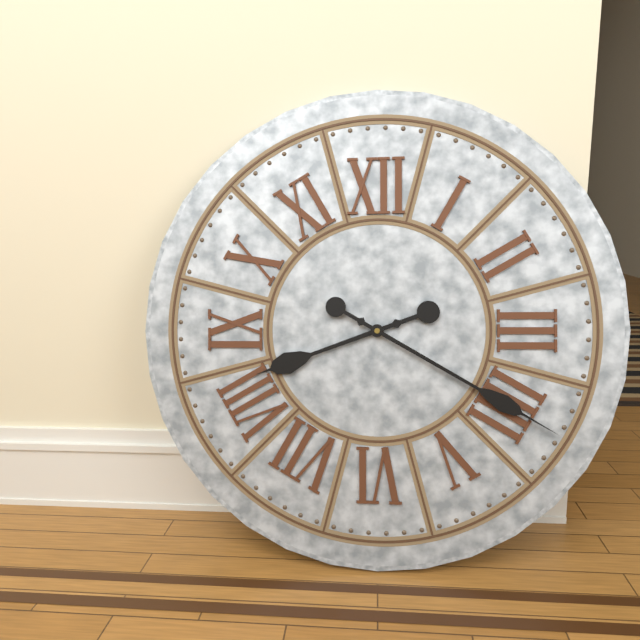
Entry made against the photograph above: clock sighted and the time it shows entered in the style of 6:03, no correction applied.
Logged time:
8:20
